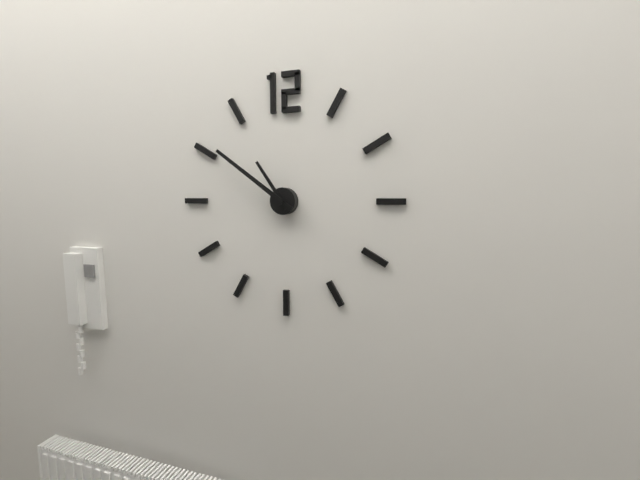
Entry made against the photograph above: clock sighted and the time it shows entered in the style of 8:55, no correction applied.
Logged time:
10:51
